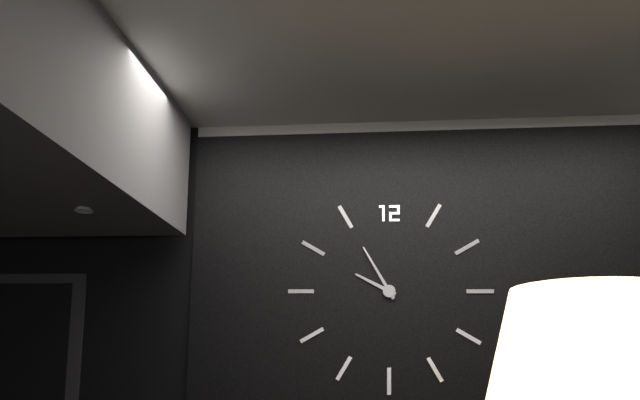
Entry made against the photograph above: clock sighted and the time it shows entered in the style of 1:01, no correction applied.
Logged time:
9:55
